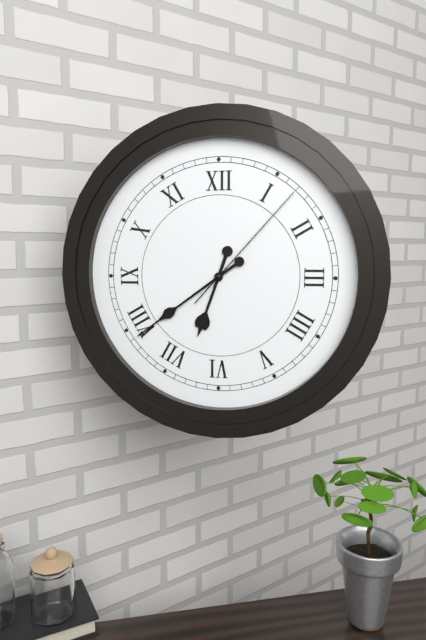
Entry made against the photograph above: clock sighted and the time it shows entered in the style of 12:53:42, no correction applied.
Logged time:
6:39:07
